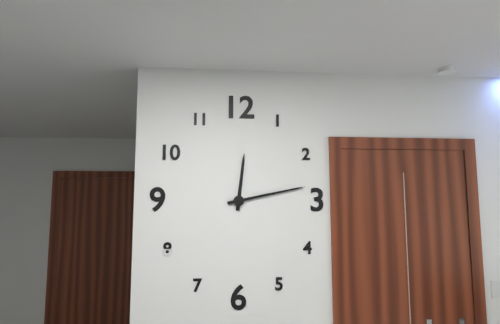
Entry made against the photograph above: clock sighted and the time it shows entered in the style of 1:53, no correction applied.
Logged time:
12:13
